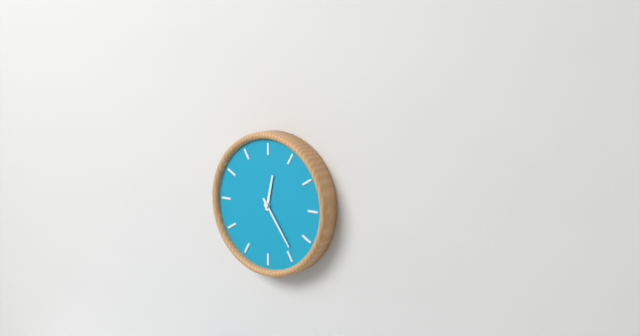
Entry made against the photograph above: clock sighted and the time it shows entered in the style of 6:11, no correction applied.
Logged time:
12:24
